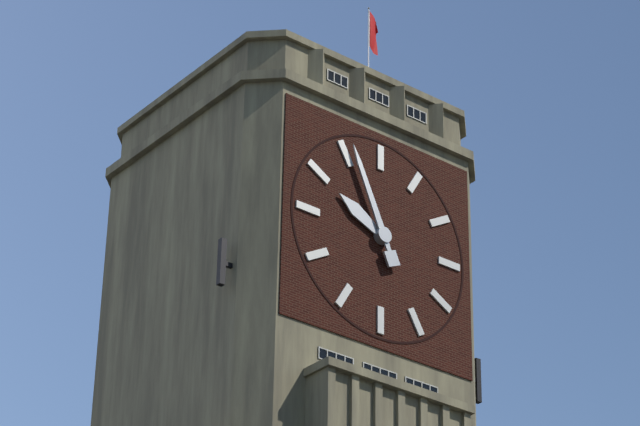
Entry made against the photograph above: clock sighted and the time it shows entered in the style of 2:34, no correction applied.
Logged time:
9:56
